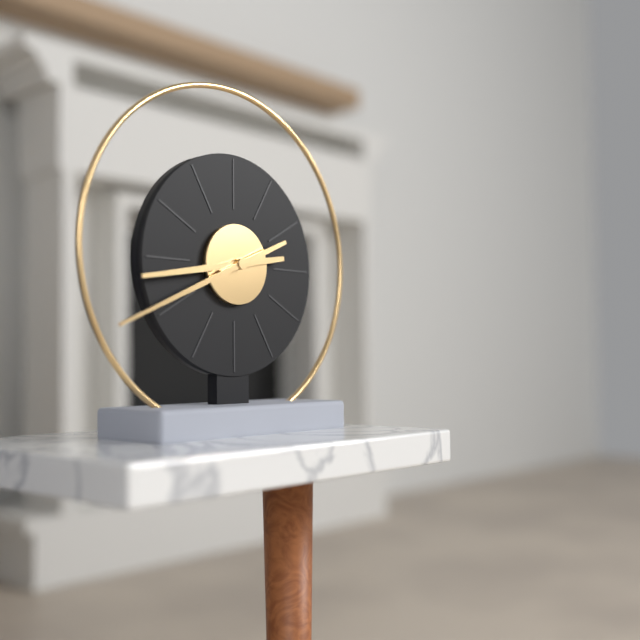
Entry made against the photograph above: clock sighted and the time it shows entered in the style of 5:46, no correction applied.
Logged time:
8:41
